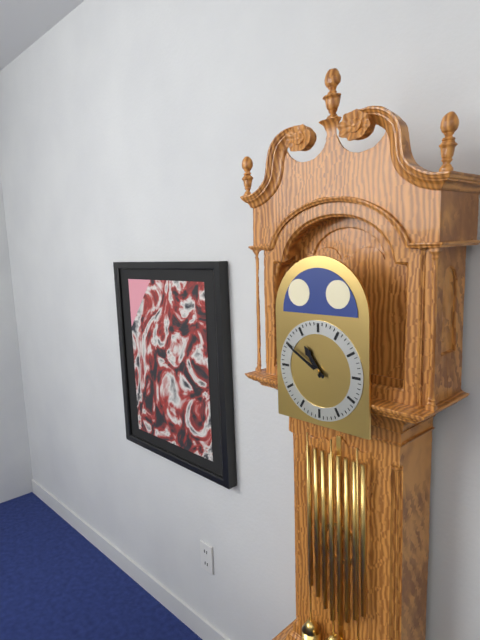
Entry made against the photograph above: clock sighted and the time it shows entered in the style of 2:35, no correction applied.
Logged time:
10:50
